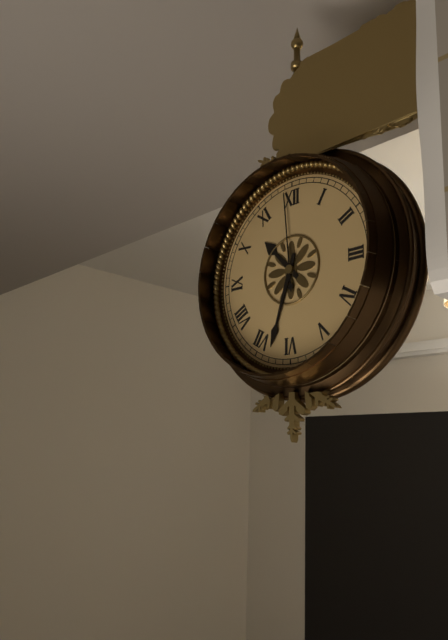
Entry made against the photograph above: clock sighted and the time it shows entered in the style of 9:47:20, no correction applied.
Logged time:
10:33:59
